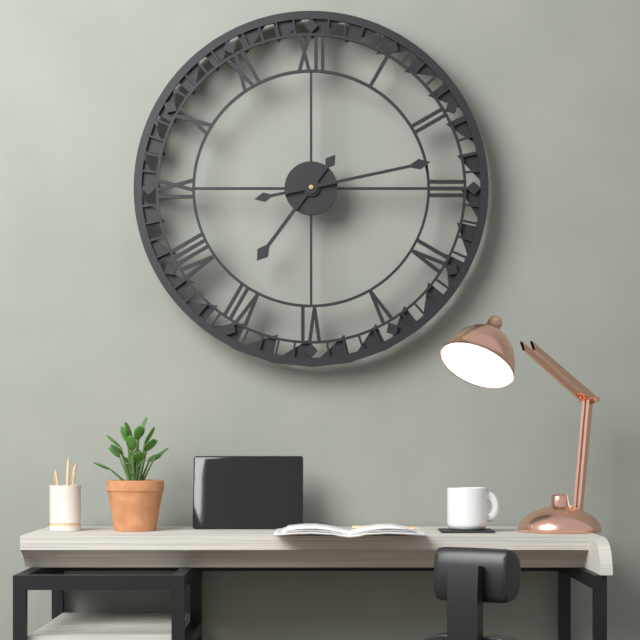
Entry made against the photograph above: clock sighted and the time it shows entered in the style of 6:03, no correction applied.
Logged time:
7:13
